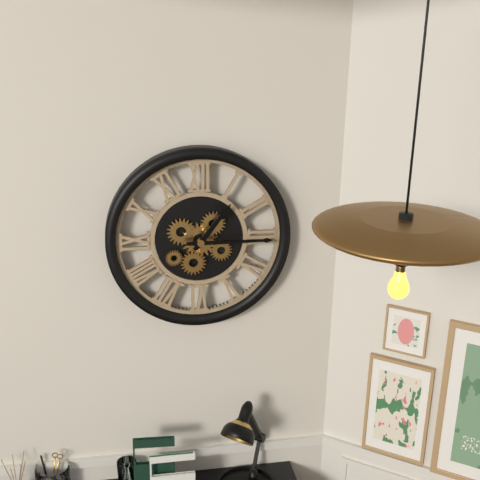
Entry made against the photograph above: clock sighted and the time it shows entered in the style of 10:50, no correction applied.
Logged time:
1:15
